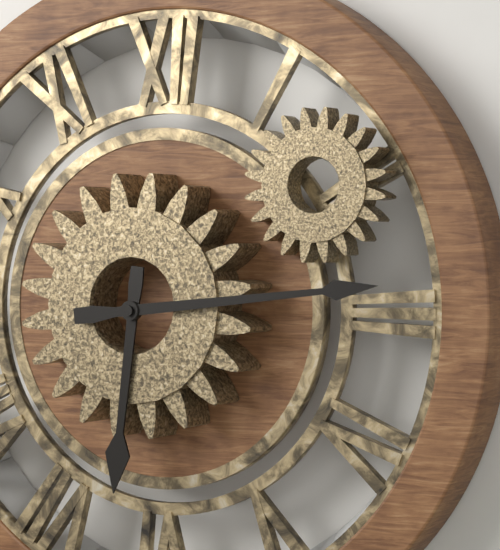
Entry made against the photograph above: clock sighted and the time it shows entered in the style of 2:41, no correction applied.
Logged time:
6:14
